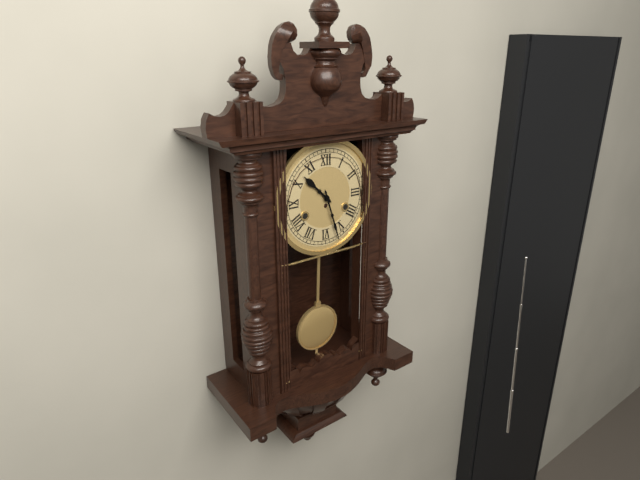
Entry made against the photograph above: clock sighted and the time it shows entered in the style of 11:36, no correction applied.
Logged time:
10:27
